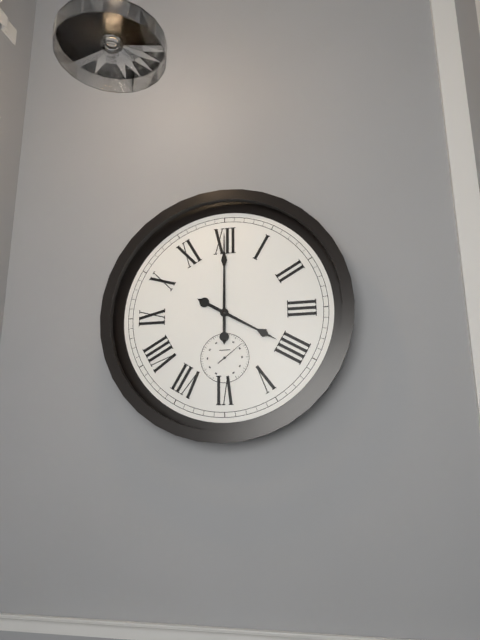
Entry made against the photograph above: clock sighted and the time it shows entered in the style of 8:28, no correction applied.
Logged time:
4:00
